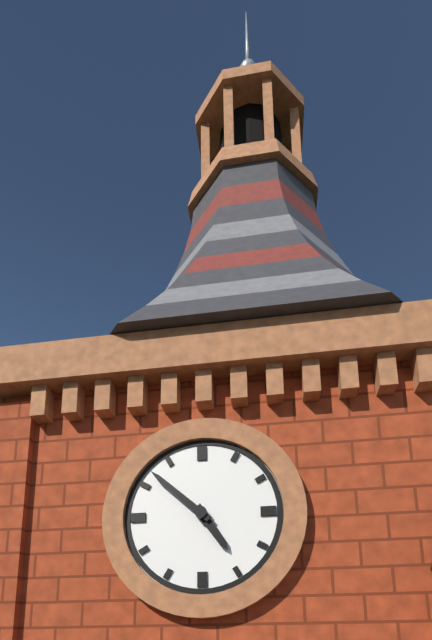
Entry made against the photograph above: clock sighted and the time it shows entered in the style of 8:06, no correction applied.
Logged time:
4:52
